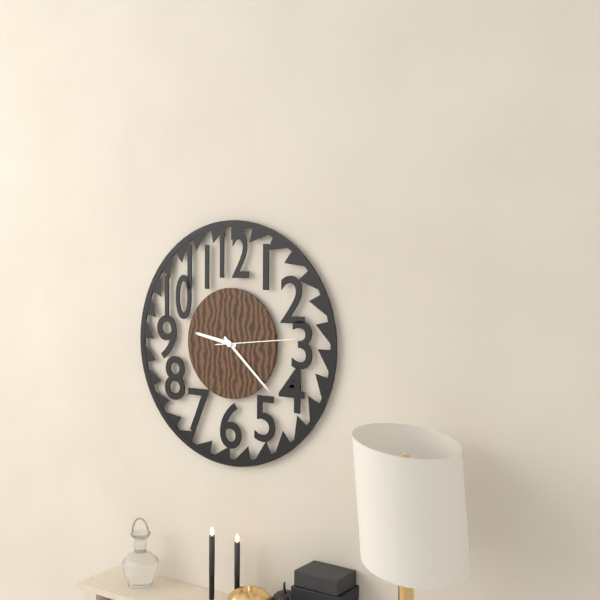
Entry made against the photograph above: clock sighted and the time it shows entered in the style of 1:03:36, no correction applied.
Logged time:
9:22:14
